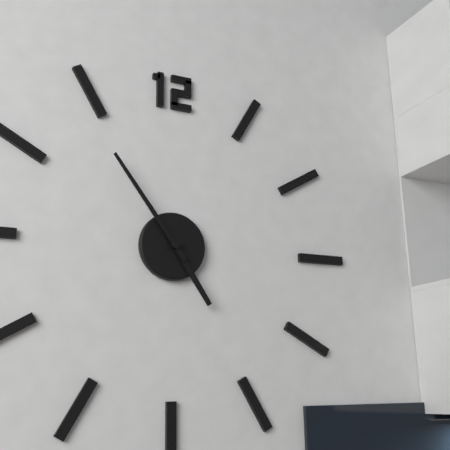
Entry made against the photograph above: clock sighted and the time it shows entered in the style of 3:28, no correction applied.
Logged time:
4:54
